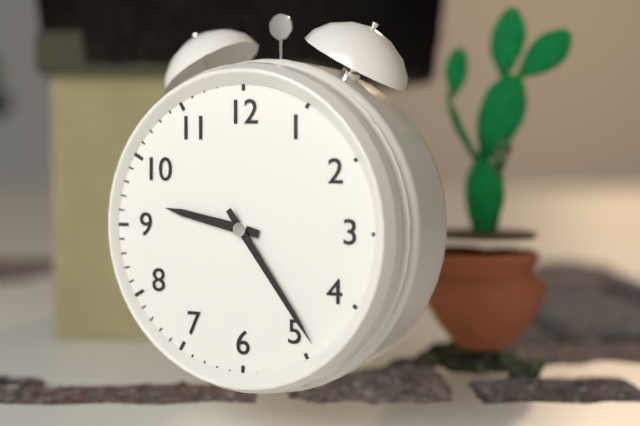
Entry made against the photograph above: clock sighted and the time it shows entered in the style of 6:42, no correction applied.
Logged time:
9:24
